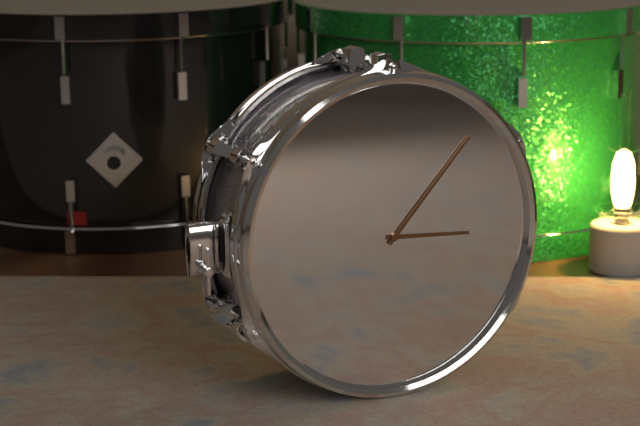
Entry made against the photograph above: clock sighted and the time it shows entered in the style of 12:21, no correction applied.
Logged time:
3:07
